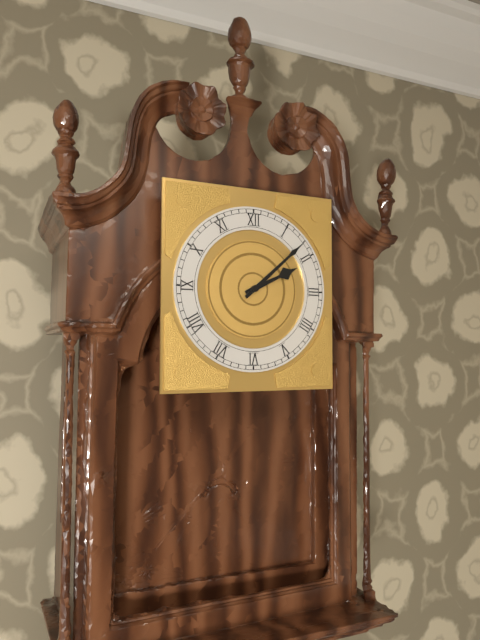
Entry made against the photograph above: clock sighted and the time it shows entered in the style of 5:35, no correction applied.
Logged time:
2:08
